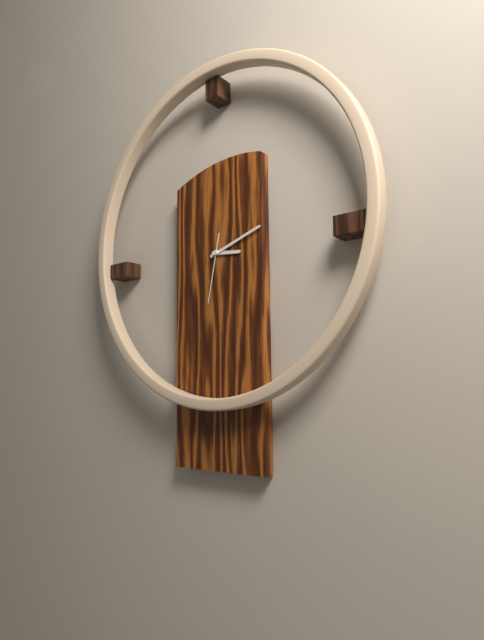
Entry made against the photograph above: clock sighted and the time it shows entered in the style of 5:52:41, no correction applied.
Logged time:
3:12:32
